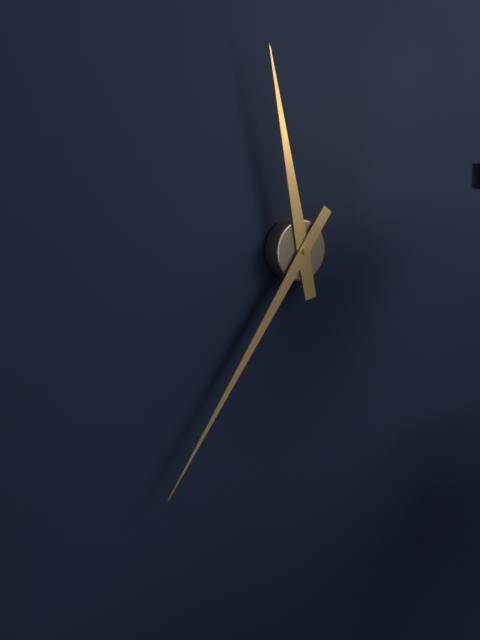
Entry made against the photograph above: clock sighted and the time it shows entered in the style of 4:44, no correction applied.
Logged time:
11:36
